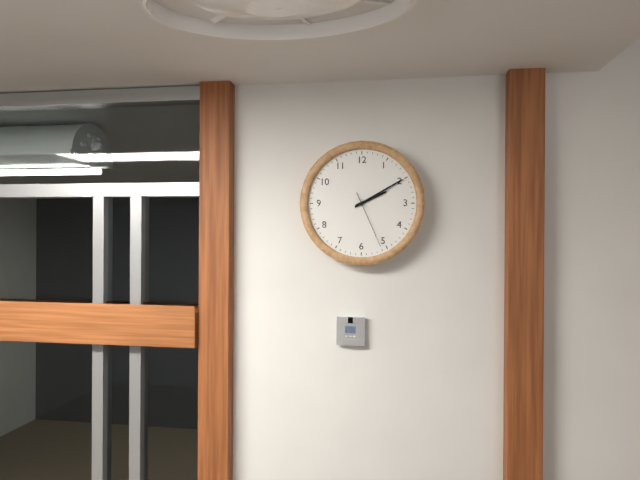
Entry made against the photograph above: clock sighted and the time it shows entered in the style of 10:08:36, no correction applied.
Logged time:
2:10:26
